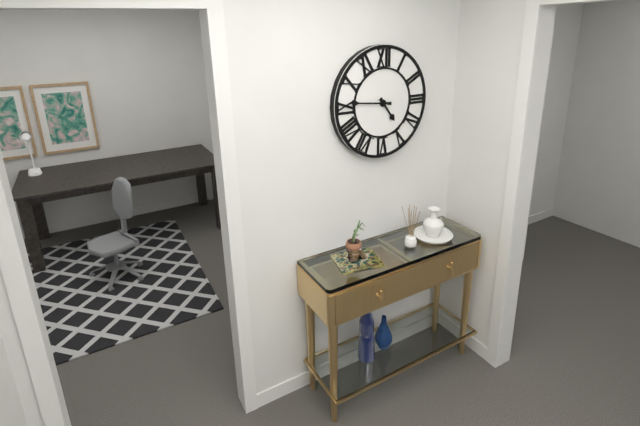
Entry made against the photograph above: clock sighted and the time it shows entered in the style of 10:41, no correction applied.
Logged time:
4:46
